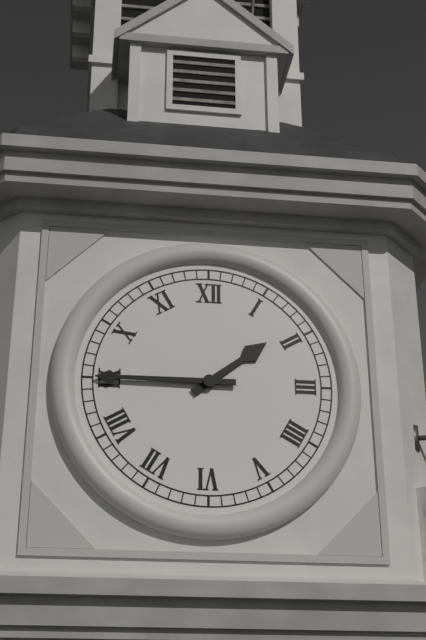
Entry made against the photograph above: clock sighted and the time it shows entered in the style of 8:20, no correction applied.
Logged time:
1:45
